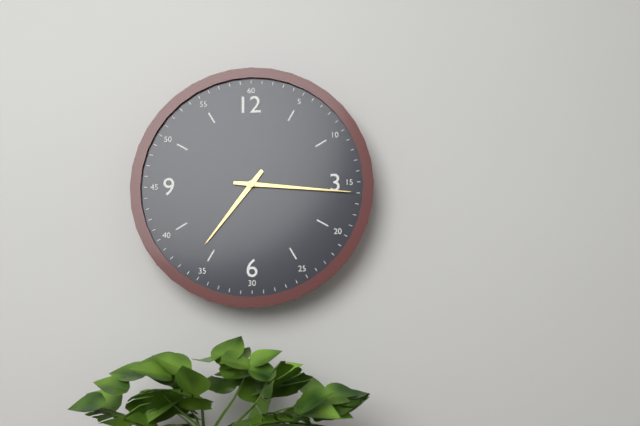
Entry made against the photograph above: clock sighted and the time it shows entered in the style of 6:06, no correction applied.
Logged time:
7:16
